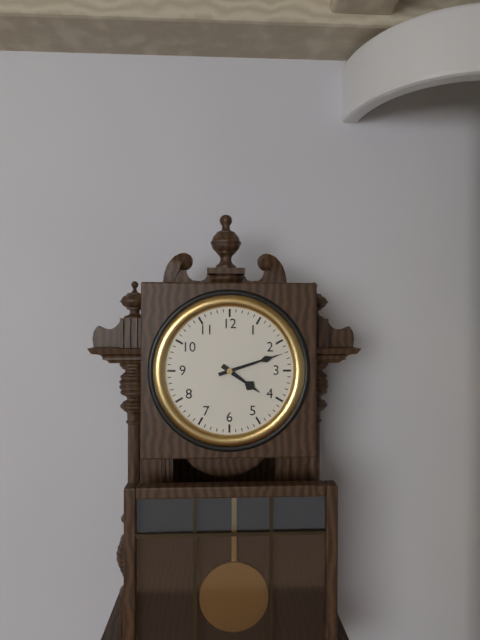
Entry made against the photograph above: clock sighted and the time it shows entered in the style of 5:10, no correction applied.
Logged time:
4:12
